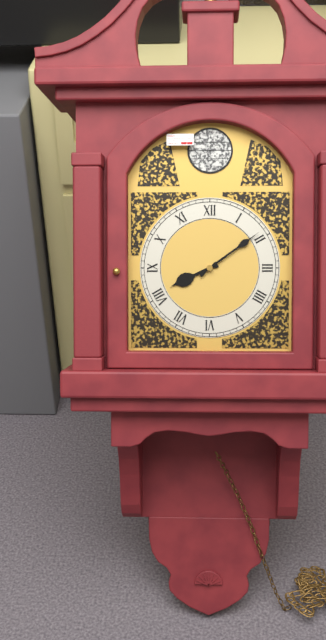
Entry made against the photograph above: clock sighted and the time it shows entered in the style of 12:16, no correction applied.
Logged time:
8:09
